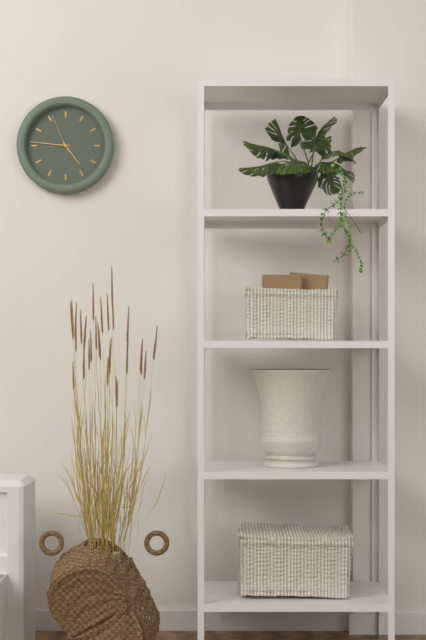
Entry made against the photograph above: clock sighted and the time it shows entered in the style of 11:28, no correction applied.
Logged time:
4:46
